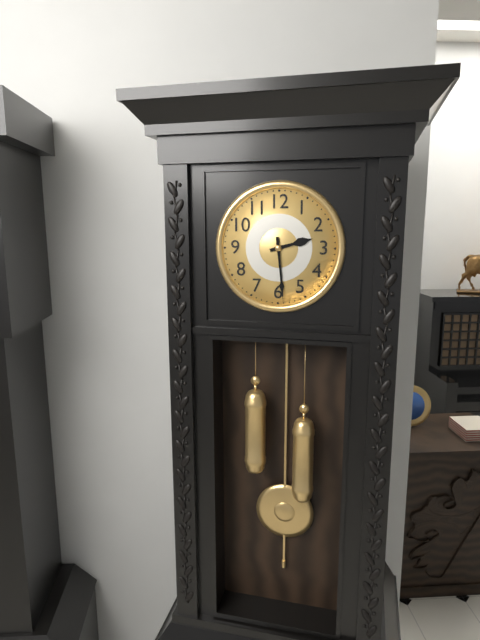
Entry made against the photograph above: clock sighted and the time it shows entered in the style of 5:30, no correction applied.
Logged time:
2:29
